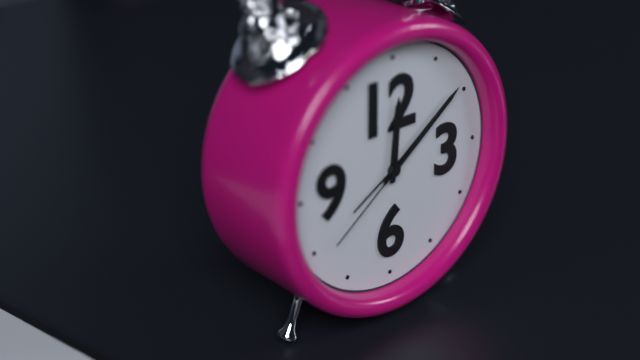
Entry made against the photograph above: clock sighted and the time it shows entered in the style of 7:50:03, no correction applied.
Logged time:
12:09:39
